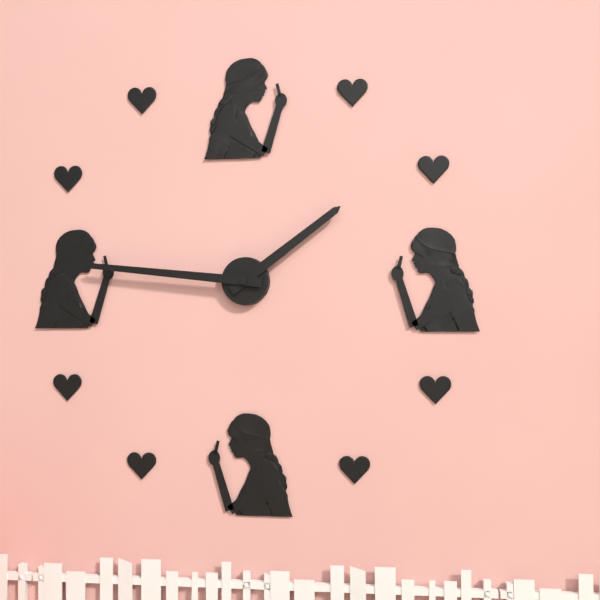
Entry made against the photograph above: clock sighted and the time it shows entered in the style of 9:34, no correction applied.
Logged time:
1:46
